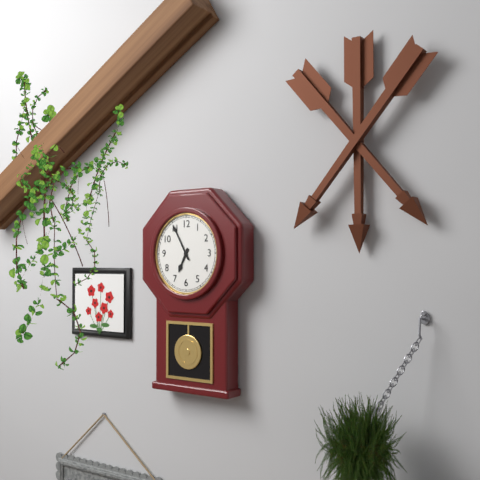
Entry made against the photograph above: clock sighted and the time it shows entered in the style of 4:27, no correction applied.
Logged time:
6:55
